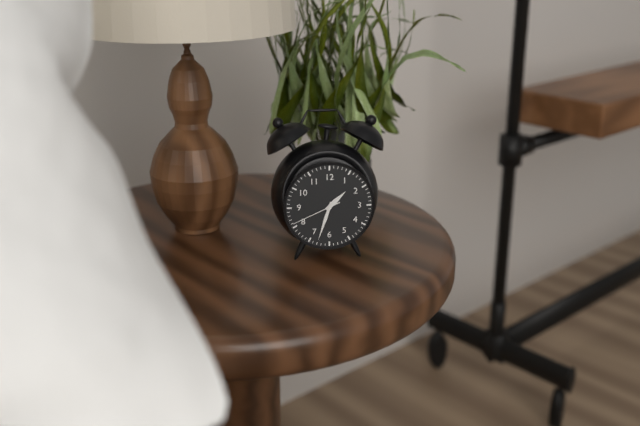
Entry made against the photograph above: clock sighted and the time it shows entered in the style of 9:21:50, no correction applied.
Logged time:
1:33:41
